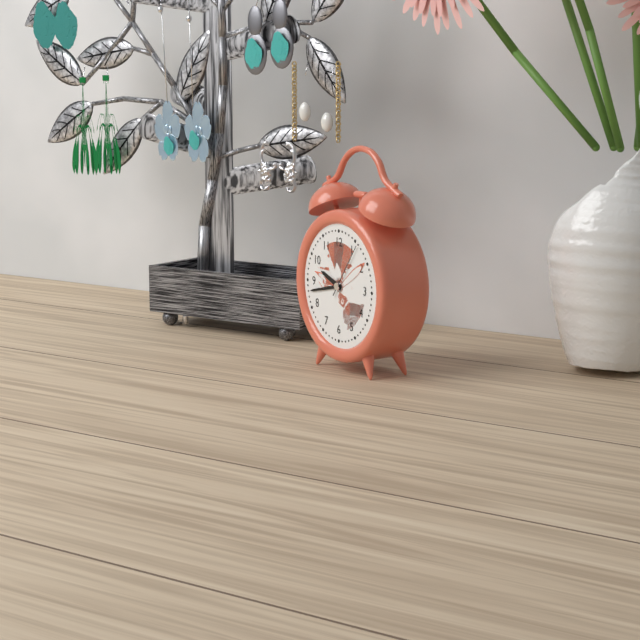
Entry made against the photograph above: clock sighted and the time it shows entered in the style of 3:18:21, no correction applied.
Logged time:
9:43:06
